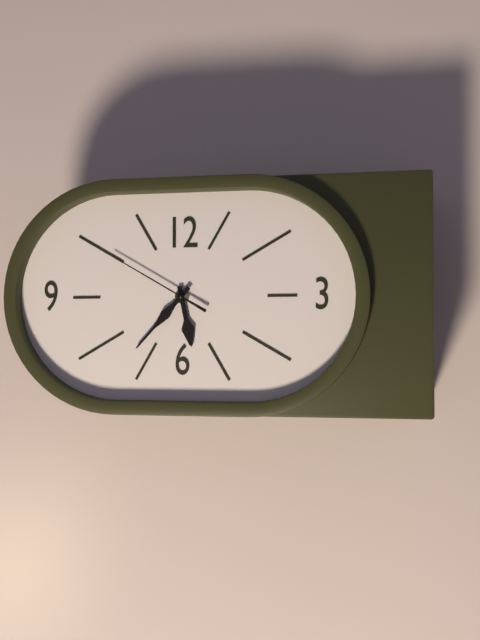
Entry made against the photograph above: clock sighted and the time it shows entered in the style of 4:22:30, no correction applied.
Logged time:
5:37:50
